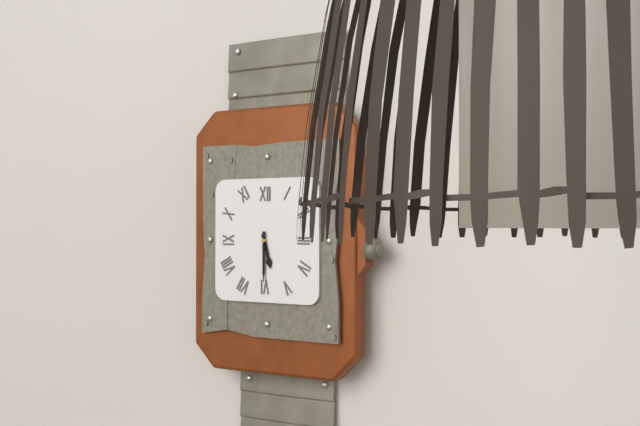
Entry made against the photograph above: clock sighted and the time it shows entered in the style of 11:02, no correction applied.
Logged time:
5:30
